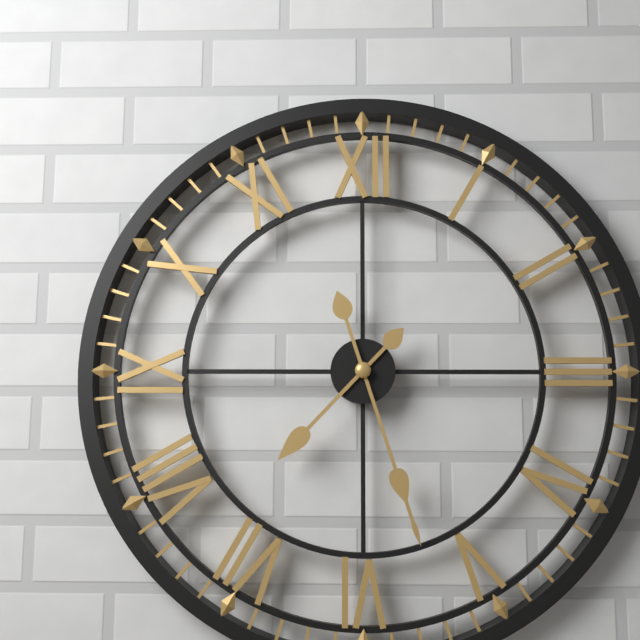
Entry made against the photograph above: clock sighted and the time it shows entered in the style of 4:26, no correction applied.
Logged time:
7:27
